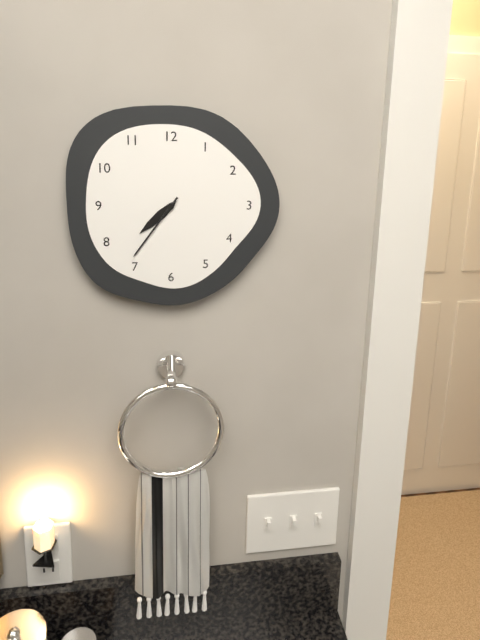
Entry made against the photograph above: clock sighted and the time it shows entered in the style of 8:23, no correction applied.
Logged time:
7:36
